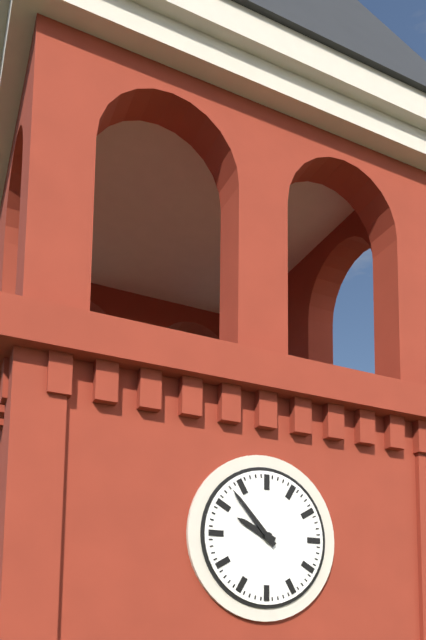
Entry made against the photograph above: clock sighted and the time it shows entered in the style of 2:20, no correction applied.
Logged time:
9:53
